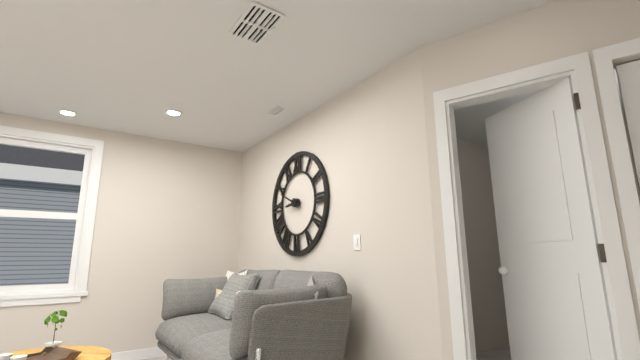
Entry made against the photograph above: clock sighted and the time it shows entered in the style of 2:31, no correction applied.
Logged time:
8:49
